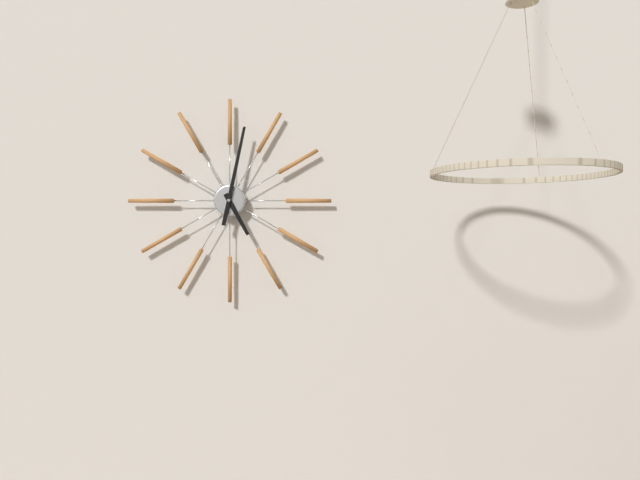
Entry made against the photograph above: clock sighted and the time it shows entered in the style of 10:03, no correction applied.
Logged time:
5:02
